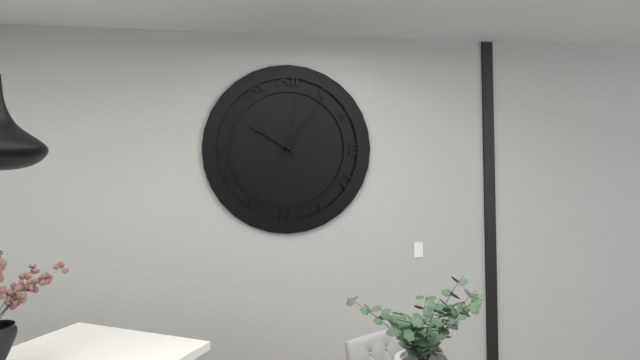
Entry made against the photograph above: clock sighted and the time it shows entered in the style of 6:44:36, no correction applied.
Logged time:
10:06:02
